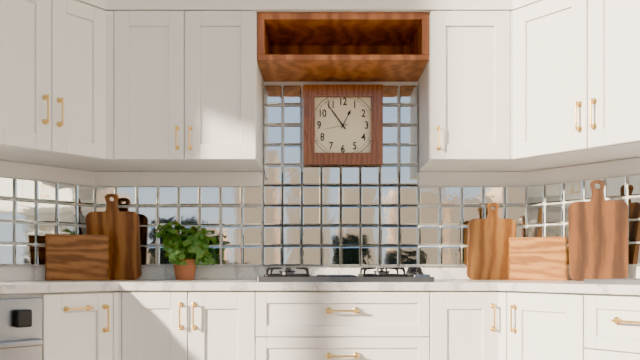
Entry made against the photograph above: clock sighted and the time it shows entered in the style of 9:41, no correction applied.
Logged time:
12:54
